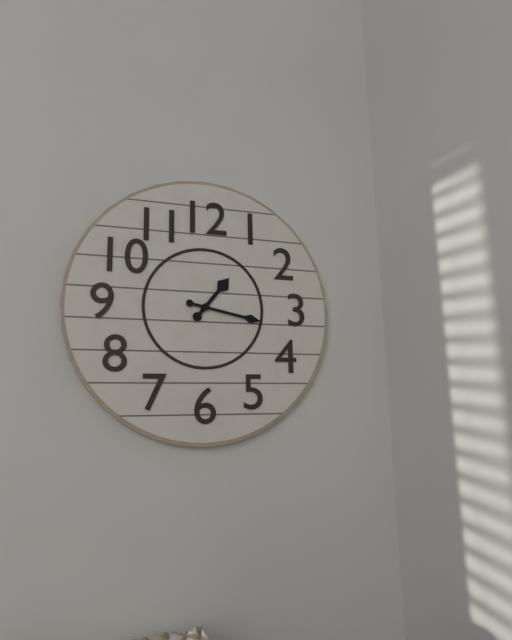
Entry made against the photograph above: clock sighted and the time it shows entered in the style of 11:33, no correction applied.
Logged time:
1:17
